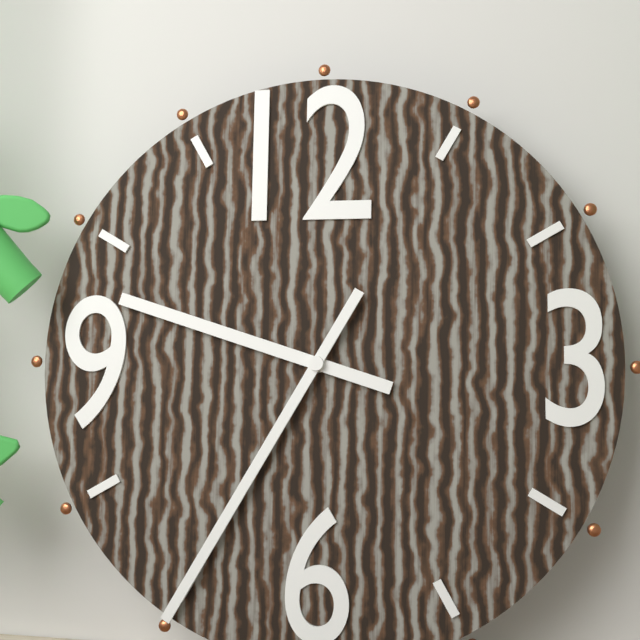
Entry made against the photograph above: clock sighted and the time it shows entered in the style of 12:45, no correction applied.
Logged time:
9:35
